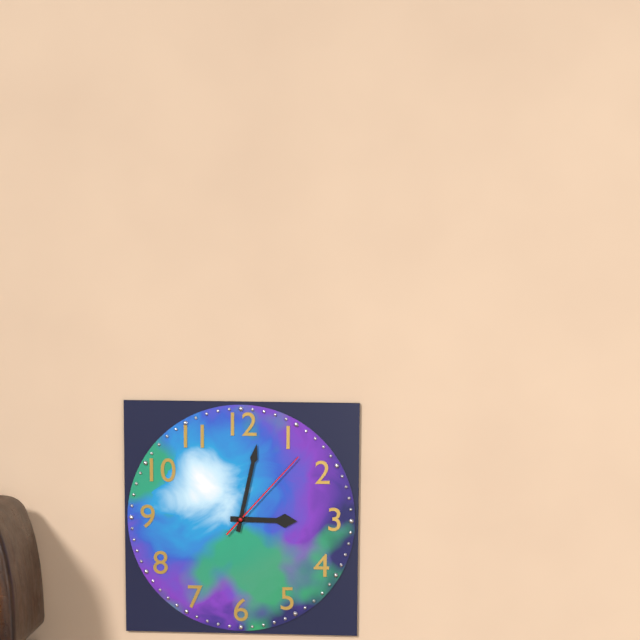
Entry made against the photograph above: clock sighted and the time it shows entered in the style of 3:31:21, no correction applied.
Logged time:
3:02:07
